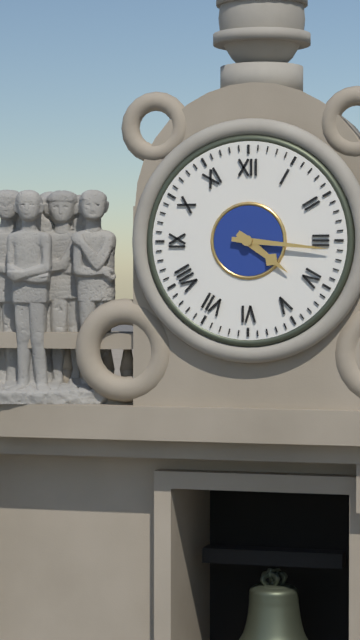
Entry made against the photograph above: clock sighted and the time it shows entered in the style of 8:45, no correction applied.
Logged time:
4:16
